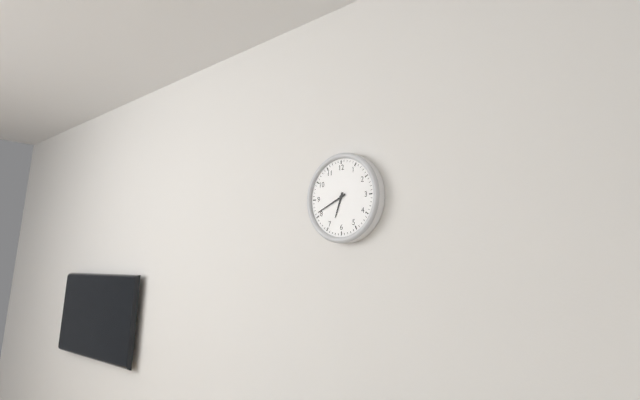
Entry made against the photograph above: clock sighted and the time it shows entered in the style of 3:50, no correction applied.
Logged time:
6:41
